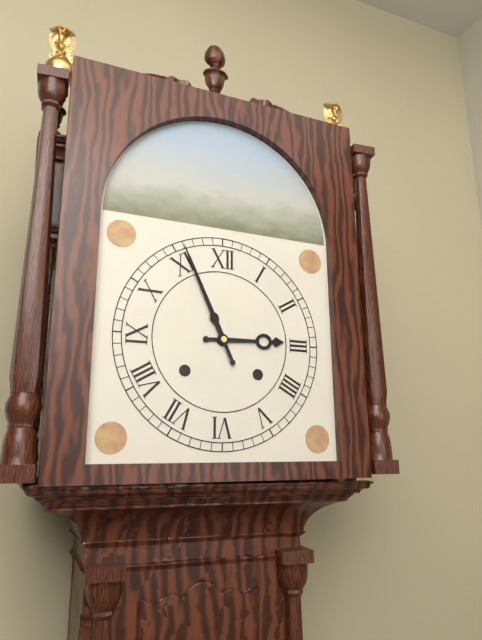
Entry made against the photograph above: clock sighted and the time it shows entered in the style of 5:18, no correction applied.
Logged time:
2:56
